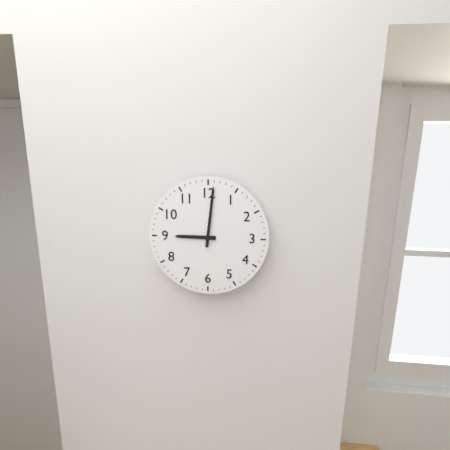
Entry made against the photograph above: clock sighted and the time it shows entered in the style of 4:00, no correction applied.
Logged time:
9:01
